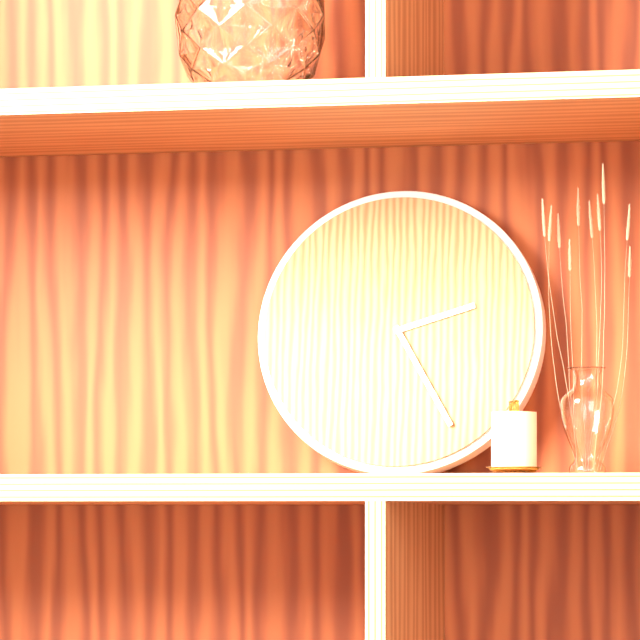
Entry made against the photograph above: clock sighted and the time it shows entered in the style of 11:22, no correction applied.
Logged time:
2:25
